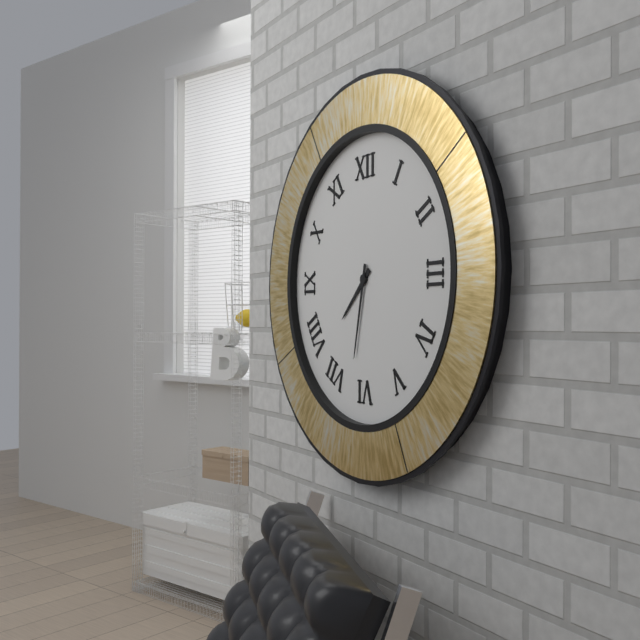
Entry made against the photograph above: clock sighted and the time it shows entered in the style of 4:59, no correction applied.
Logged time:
7:32
